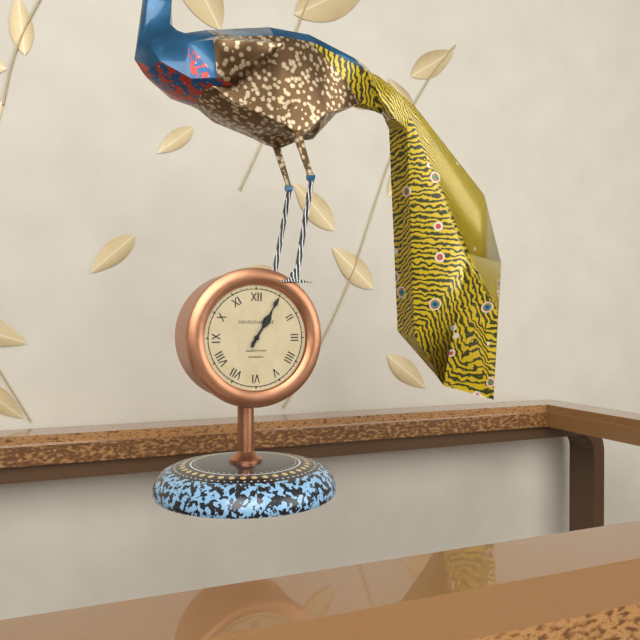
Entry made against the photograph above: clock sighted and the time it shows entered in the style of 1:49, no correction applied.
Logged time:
1:05
